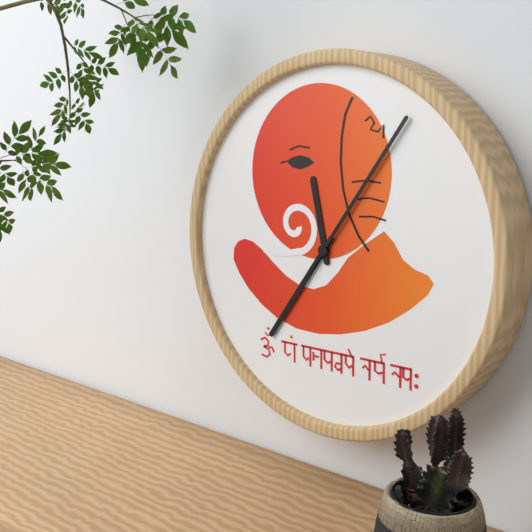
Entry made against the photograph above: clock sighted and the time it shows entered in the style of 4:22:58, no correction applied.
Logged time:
11:36:06
